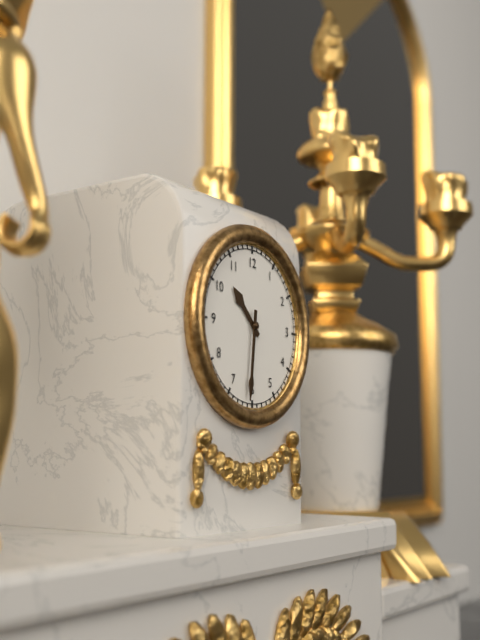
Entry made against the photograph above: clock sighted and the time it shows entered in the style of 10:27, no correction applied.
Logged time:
10:31
